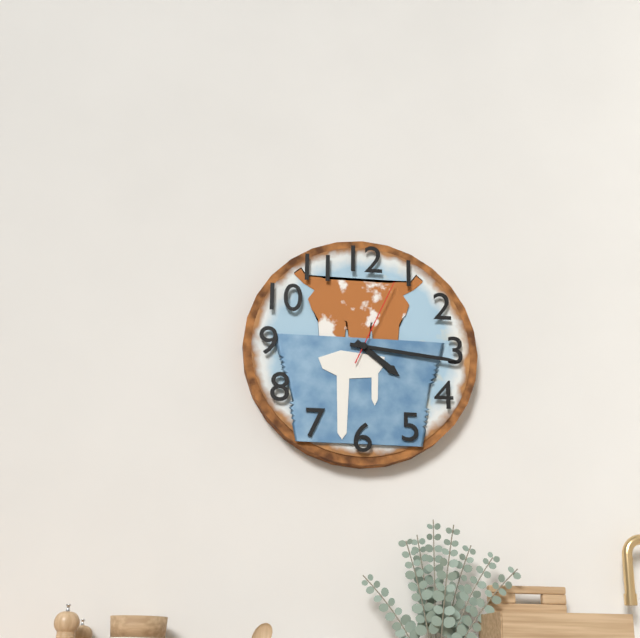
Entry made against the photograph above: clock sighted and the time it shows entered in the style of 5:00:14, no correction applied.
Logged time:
4:16:04
